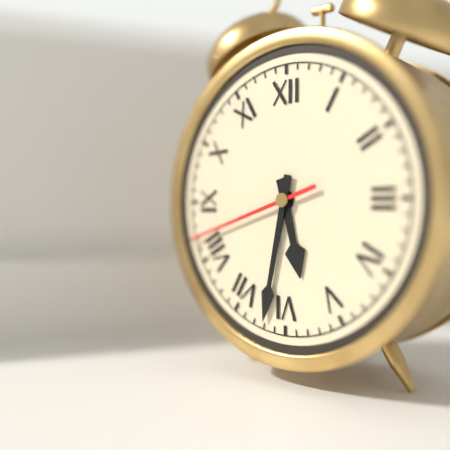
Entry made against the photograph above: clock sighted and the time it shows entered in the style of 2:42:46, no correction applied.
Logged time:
5:32:42
